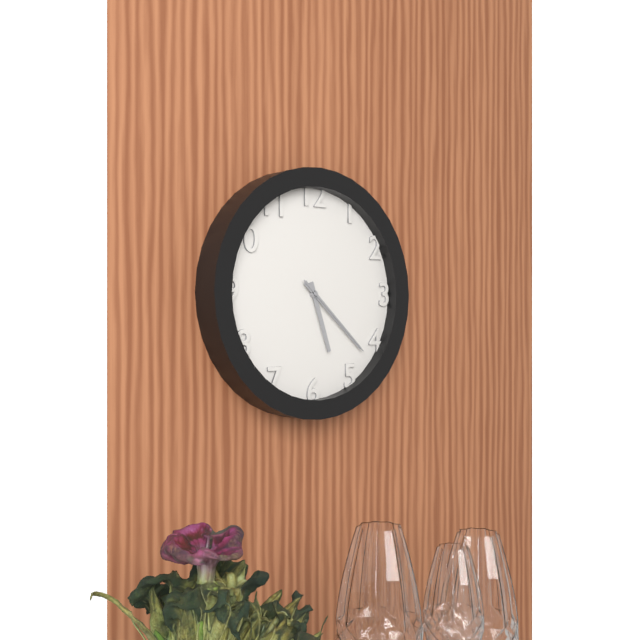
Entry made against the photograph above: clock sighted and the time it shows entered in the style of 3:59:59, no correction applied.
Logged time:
5:22:22
